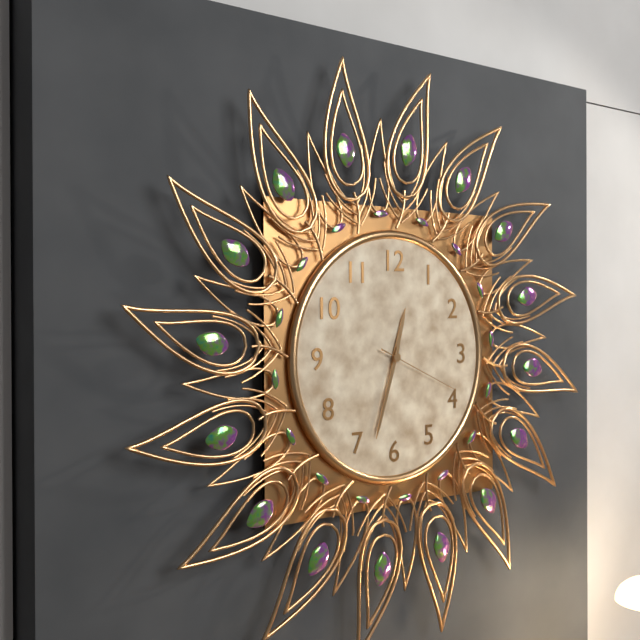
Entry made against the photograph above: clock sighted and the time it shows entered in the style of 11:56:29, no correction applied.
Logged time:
12:33:19
